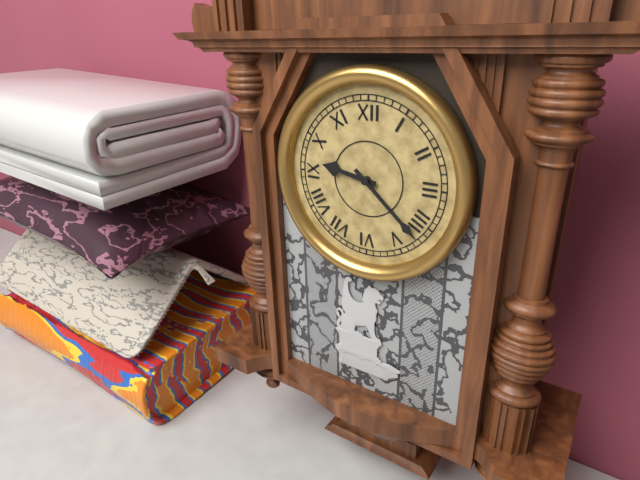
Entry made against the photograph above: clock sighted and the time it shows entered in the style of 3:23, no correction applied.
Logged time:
9:22
